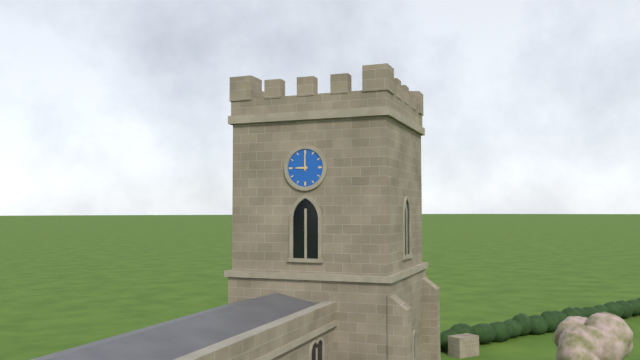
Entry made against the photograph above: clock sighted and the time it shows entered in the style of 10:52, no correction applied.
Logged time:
9:00
